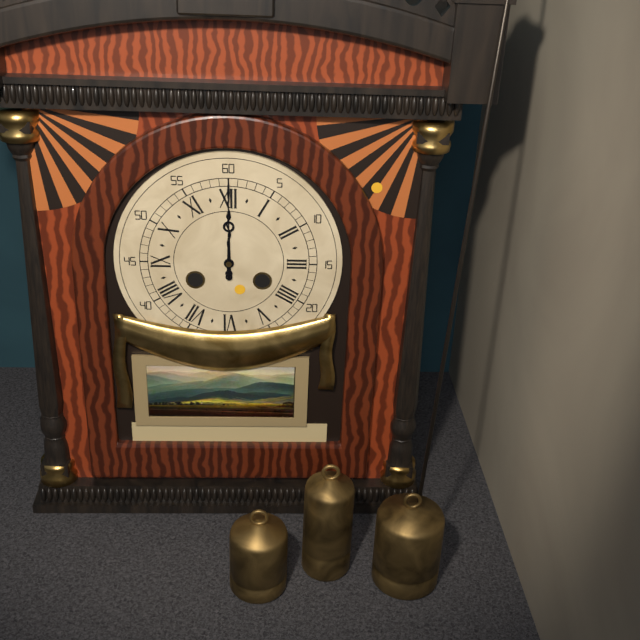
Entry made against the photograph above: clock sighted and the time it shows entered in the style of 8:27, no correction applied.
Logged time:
12:00
